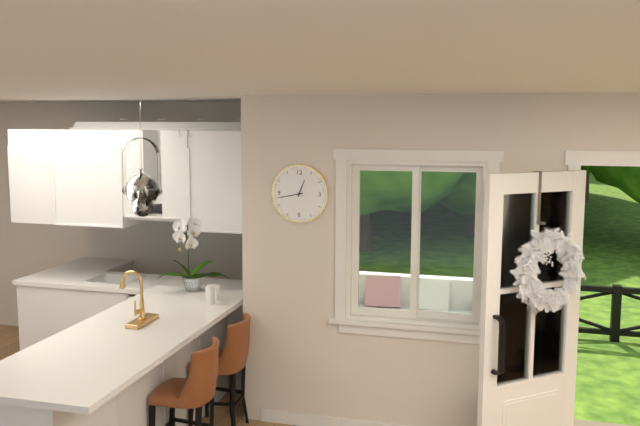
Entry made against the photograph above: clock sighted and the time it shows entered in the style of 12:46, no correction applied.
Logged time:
12:43
